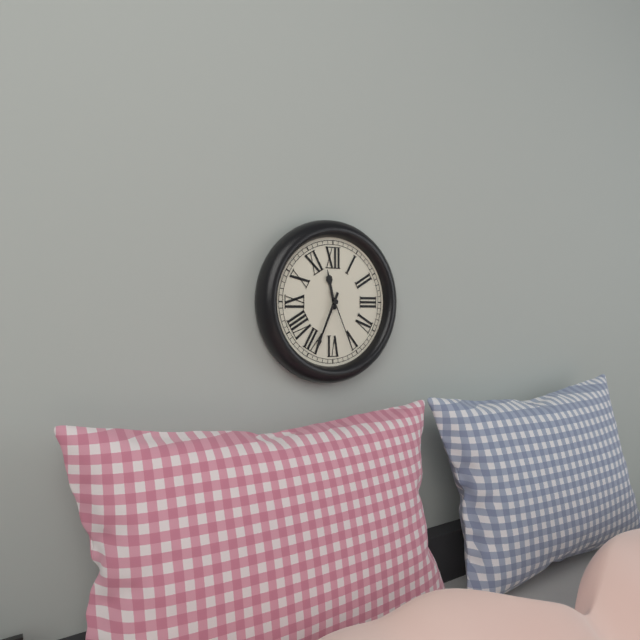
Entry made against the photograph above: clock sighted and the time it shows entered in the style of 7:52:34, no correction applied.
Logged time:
11:34:26
